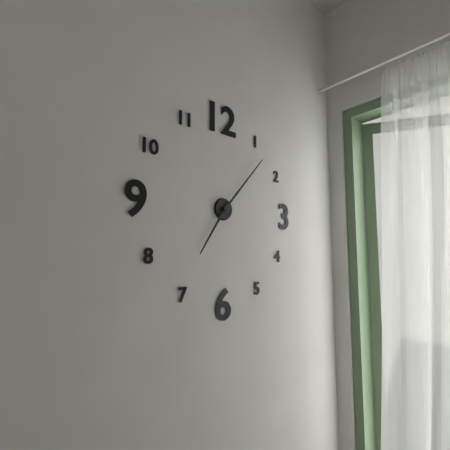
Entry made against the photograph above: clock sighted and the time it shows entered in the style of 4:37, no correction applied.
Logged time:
7:07
